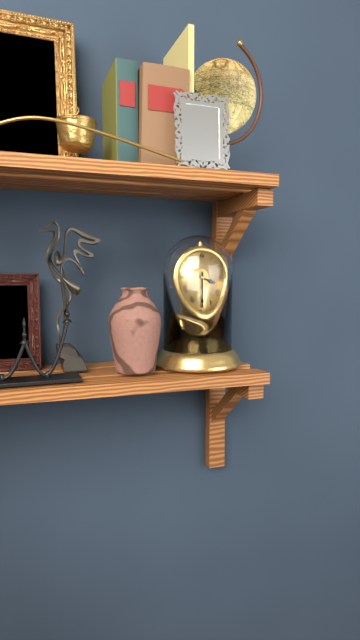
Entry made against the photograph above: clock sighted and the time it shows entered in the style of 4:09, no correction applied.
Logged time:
3:30
